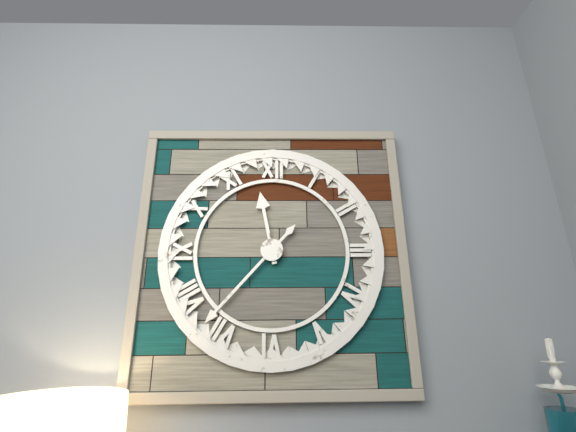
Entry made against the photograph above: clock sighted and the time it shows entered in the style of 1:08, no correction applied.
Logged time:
11:37
